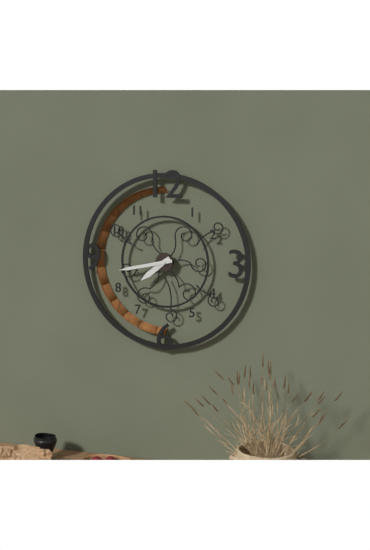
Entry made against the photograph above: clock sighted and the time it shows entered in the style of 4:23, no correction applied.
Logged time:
7:43
